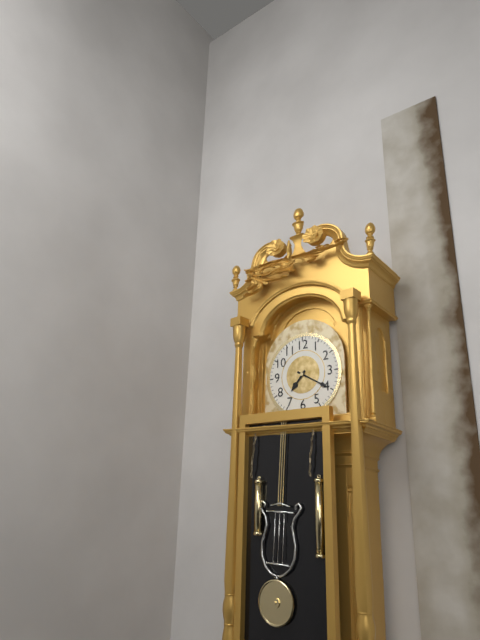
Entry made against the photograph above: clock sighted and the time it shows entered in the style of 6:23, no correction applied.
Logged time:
7:20
